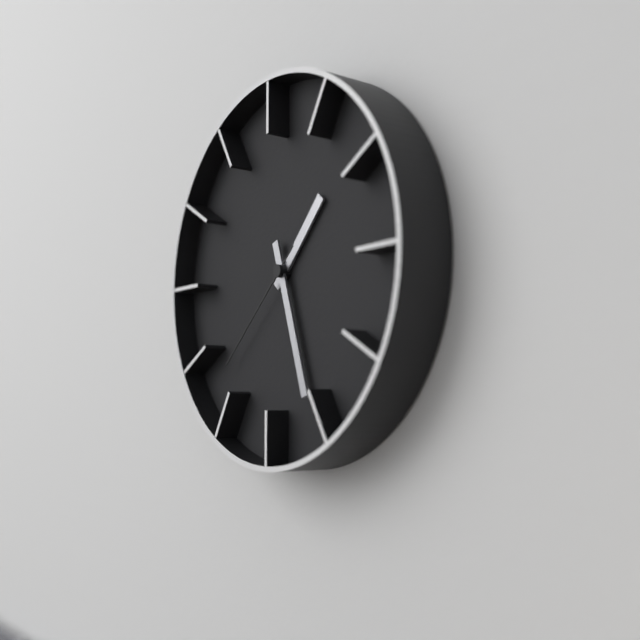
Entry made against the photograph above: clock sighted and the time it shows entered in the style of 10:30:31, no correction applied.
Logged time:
1:27:38
